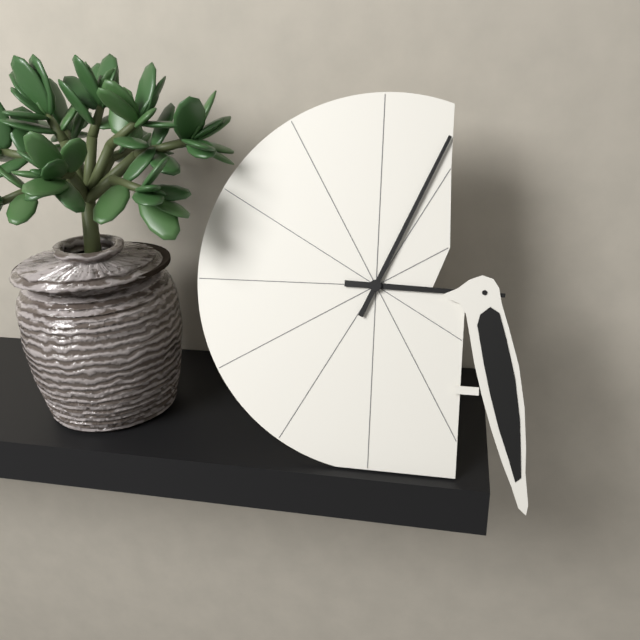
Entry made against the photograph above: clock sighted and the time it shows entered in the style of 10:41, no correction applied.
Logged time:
3:04
